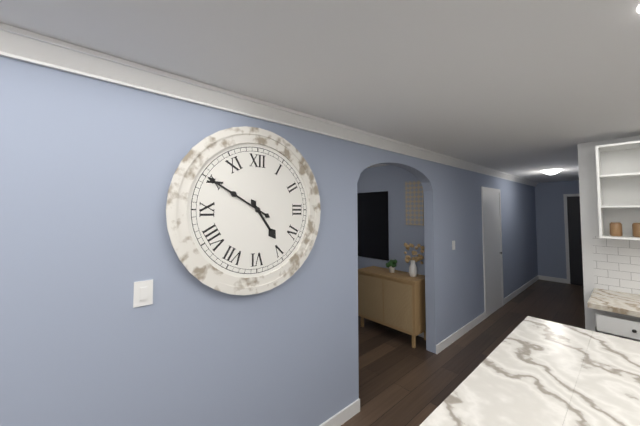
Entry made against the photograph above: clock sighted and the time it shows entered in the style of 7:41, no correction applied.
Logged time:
4:50
